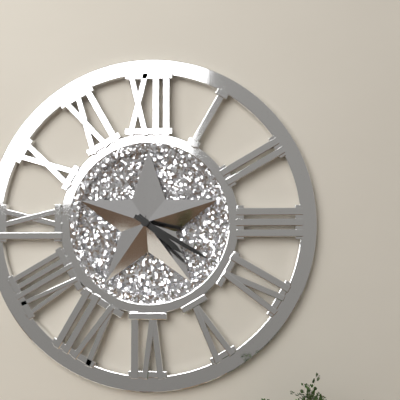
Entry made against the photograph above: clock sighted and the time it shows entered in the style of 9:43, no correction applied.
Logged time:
4:20
